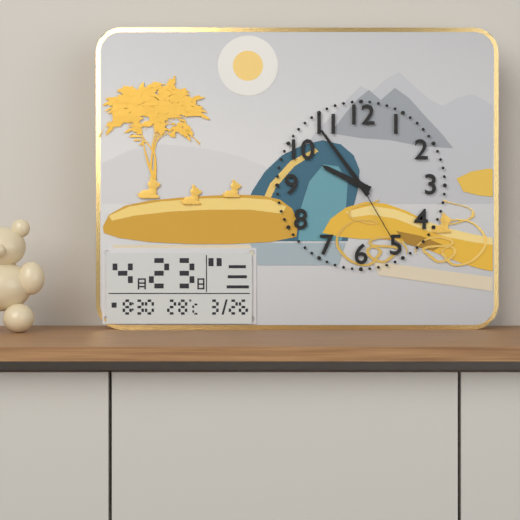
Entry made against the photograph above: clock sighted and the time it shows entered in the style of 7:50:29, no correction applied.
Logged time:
9:54:25
